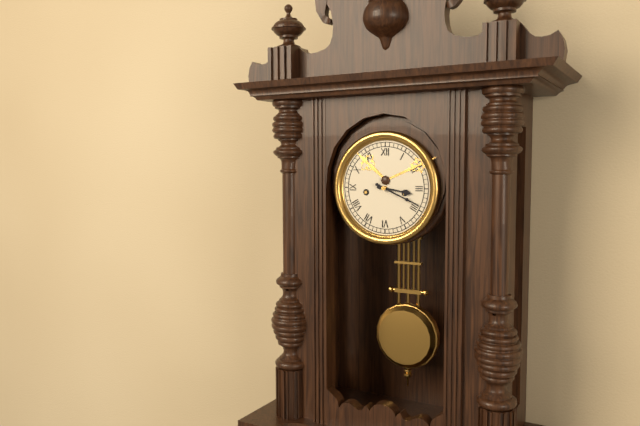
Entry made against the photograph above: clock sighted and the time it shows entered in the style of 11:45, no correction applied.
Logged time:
3:19
